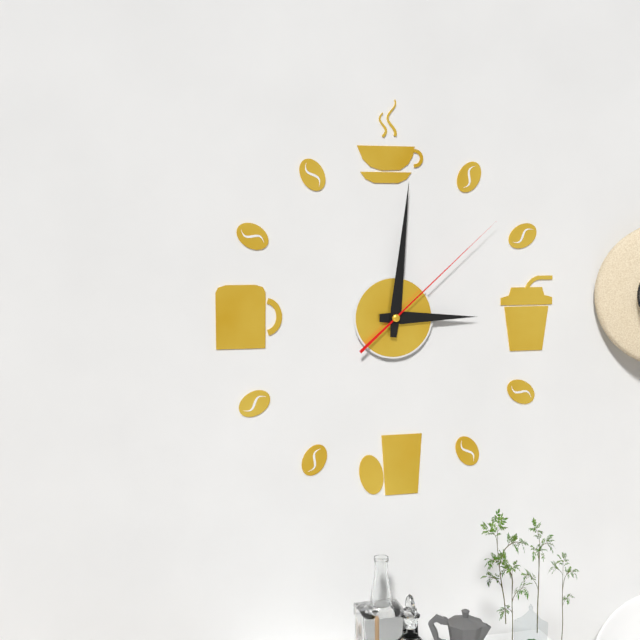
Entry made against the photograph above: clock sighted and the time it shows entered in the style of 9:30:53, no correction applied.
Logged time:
3:01:08
